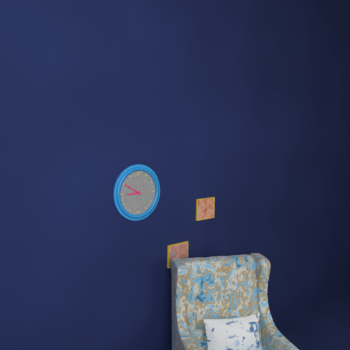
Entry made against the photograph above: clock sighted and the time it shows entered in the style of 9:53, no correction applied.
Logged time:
8:50
